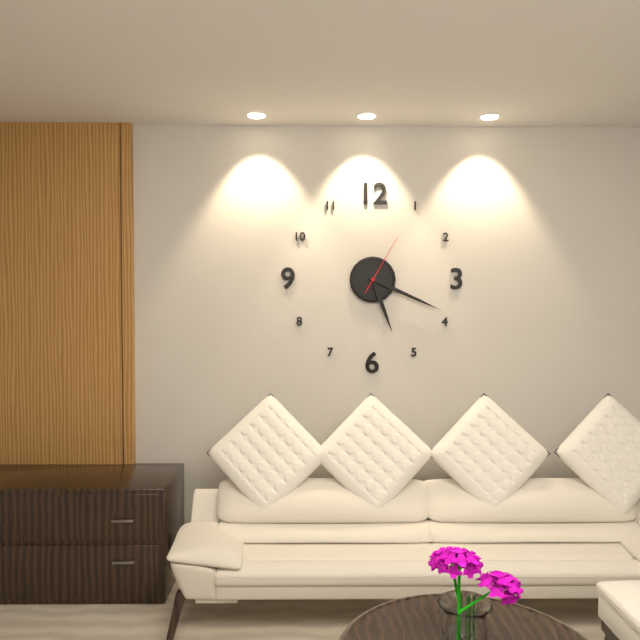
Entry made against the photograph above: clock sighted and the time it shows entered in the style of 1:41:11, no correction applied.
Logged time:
5:19:05
